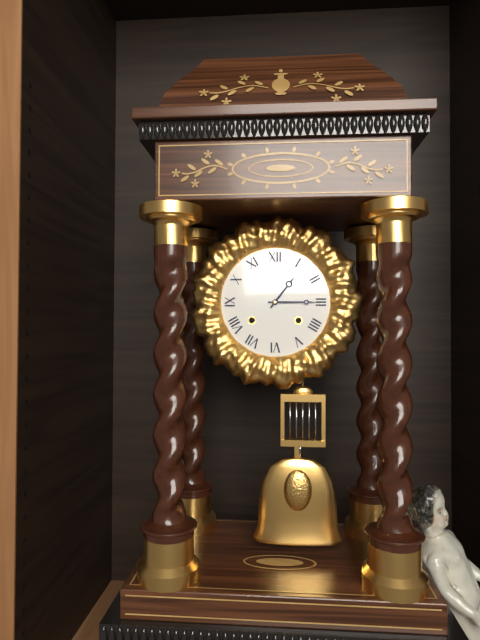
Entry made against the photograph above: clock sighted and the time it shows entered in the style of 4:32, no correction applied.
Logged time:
1:15
